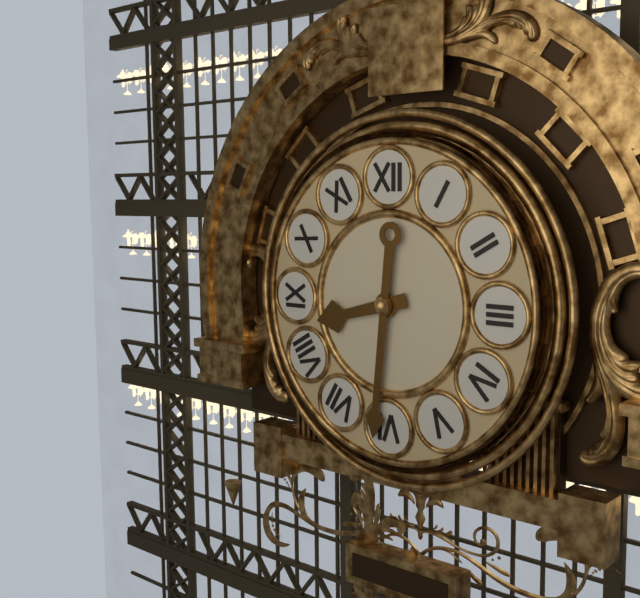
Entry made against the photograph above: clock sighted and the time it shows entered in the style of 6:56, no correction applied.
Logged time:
8:31
